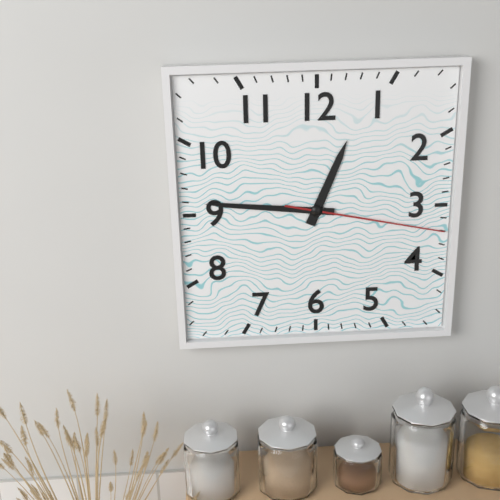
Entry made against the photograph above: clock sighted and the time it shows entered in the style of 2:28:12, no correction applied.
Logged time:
12:46:17
